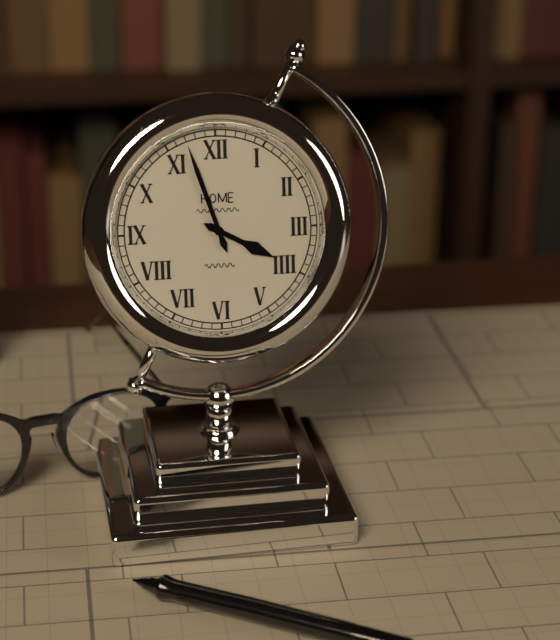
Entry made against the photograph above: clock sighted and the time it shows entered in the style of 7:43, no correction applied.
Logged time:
3:57
